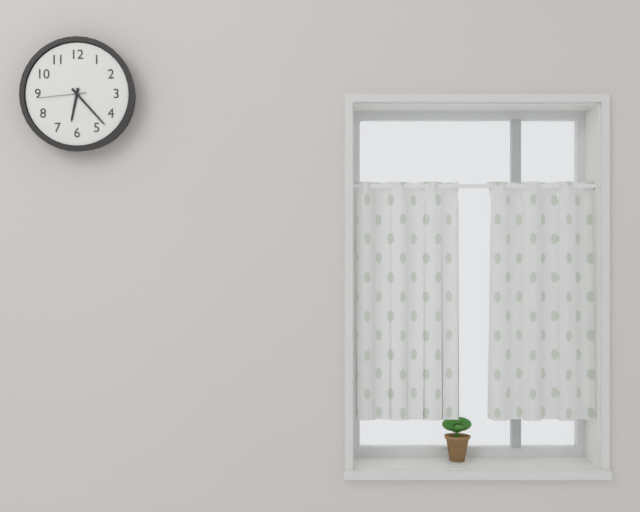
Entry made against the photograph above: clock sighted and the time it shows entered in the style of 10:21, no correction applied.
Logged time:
6:23
